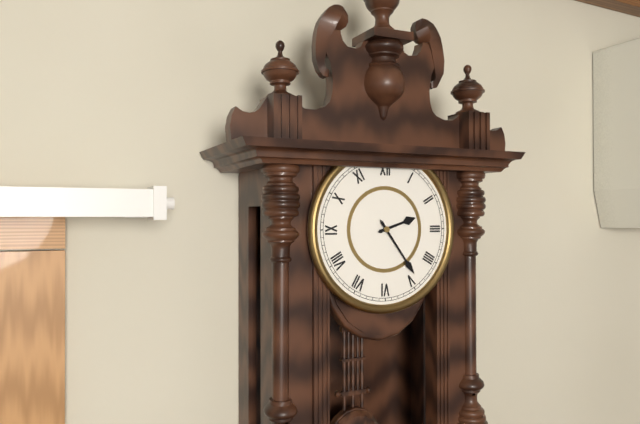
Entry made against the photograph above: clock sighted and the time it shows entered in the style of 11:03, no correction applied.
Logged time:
2:24
